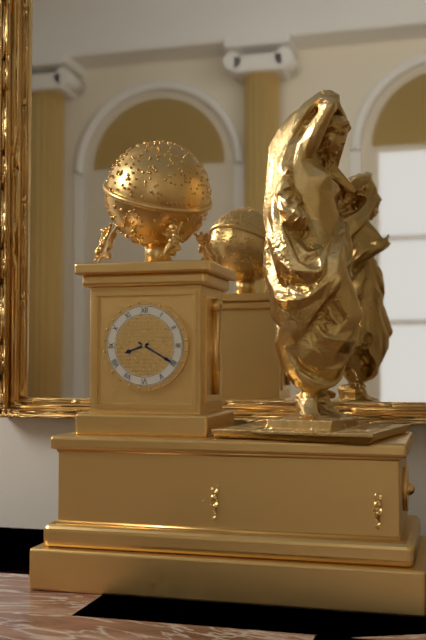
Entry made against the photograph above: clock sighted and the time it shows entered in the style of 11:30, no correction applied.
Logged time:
8:20
